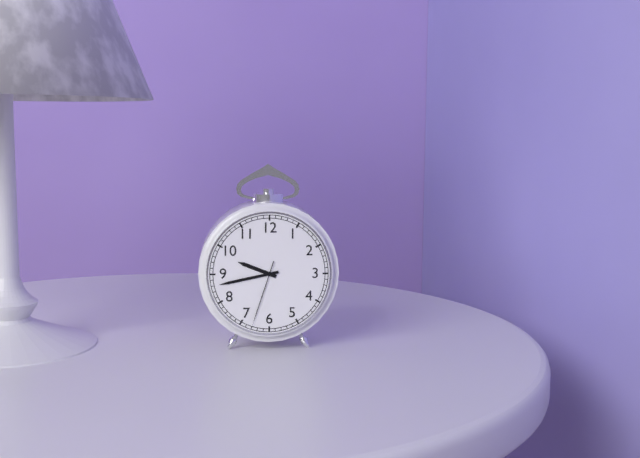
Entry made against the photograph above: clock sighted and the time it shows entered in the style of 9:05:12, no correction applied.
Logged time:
9:43:33
